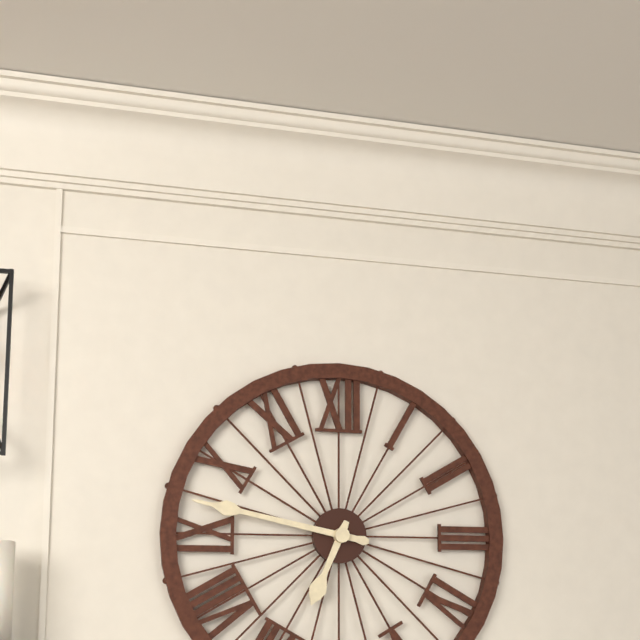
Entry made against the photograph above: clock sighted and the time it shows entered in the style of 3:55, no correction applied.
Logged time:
6:47
